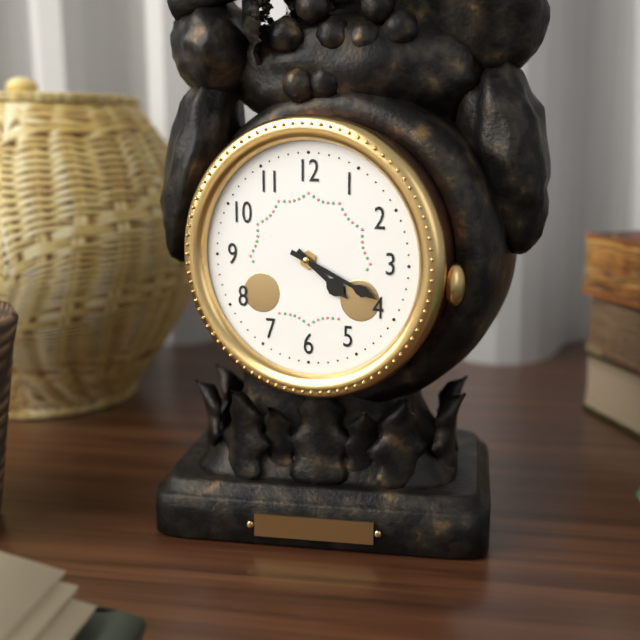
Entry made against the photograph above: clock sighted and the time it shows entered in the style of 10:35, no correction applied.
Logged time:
4:19
